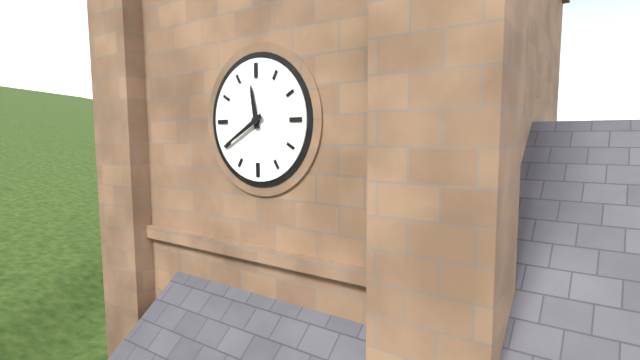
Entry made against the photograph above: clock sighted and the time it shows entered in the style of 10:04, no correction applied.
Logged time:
11:40
